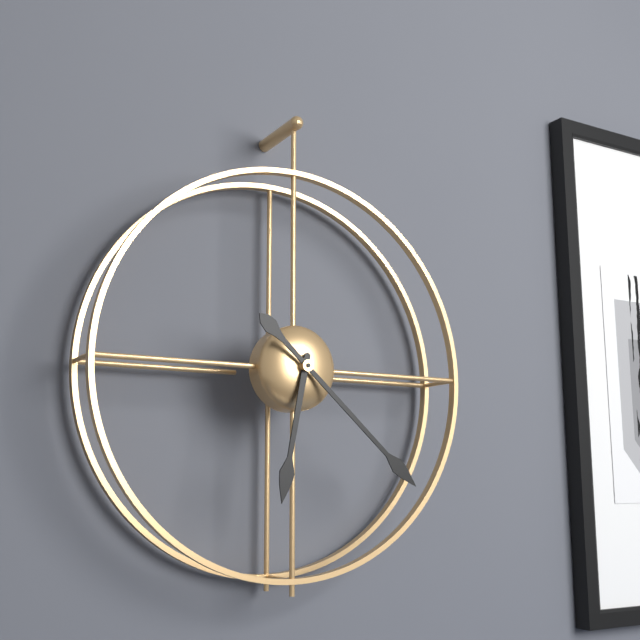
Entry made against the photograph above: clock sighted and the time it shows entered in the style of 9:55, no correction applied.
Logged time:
6:22
